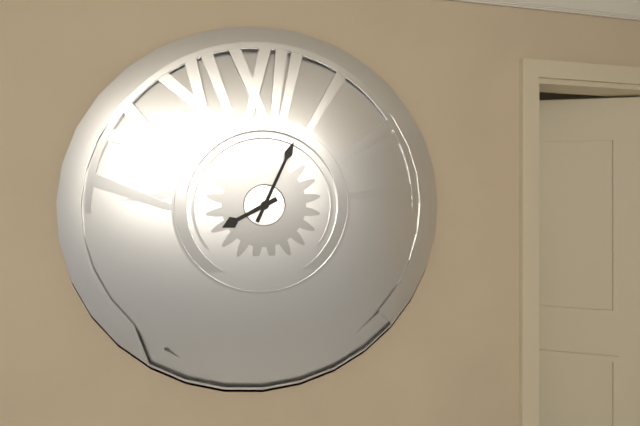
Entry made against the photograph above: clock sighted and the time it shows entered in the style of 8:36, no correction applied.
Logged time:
8:04
